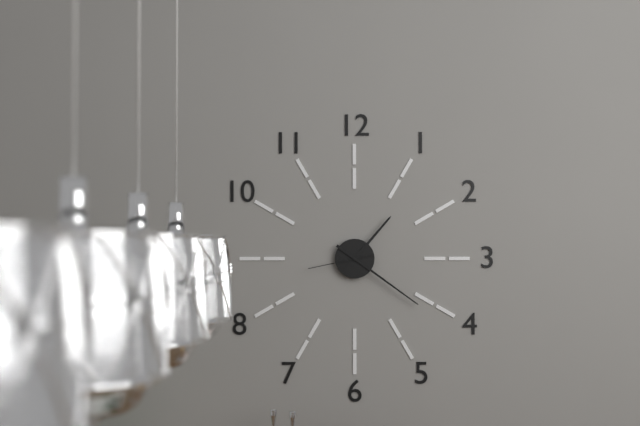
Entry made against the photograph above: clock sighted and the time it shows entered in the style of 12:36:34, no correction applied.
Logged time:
1:21:43
